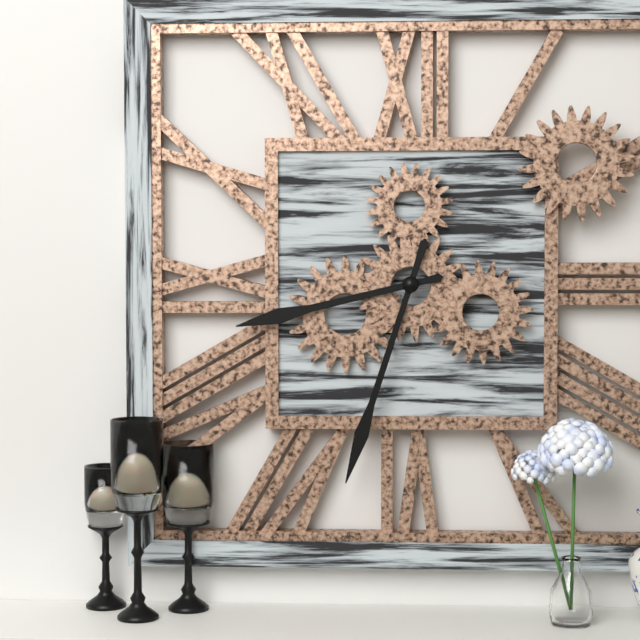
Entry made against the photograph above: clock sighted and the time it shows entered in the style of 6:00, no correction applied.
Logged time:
8:33
